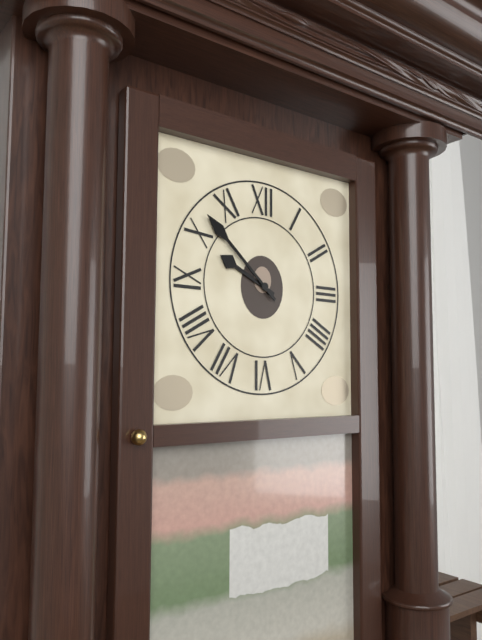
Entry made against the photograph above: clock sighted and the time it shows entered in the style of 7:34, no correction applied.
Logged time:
9:52
